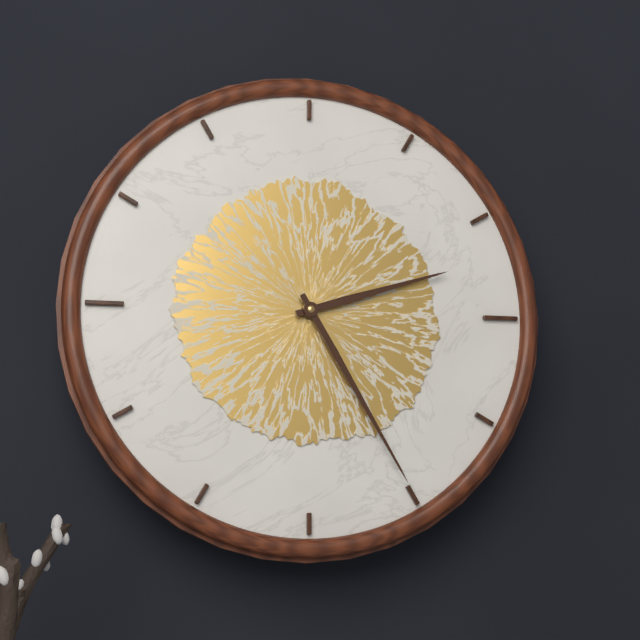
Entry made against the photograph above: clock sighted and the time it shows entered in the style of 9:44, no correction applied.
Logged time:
2:25
